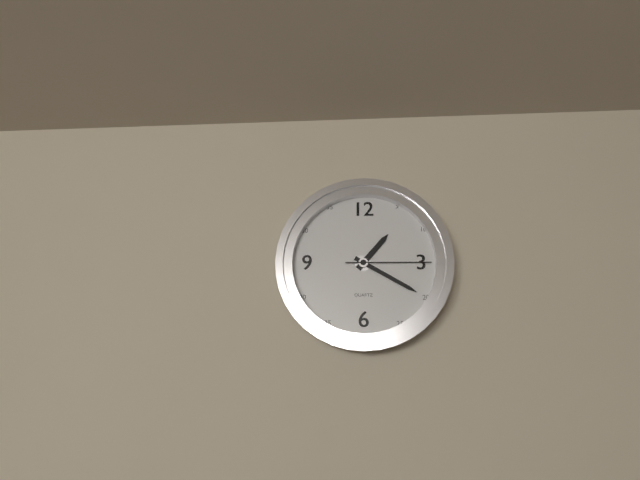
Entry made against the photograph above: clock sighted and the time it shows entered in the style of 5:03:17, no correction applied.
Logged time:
1:20:15
